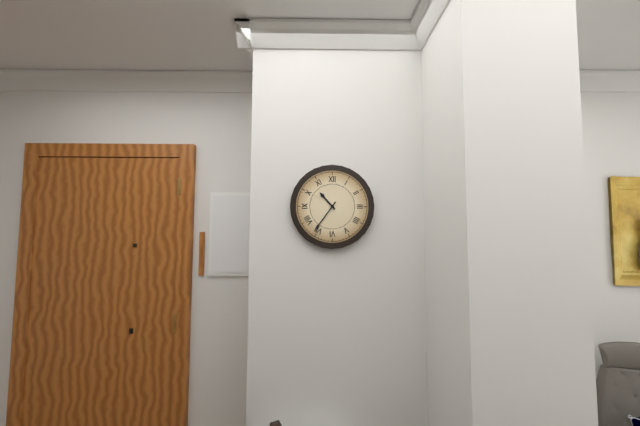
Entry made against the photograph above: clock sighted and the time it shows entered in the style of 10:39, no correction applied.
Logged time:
10:36
